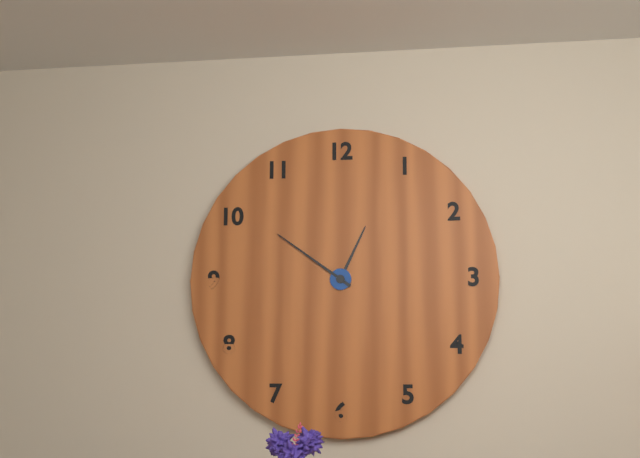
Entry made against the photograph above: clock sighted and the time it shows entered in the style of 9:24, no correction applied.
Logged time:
12:51
